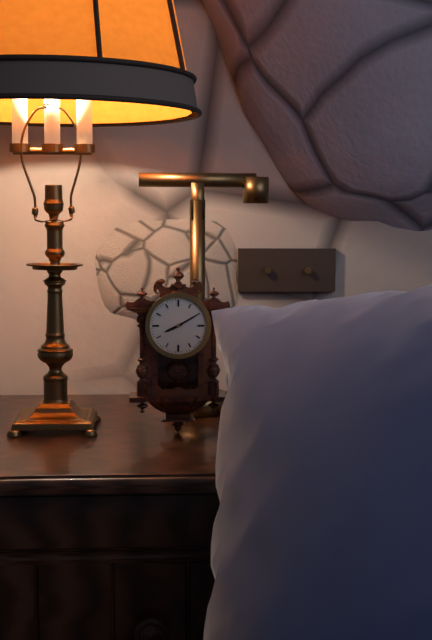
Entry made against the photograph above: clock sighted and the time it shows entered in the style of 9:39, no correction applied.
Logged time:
8:10
